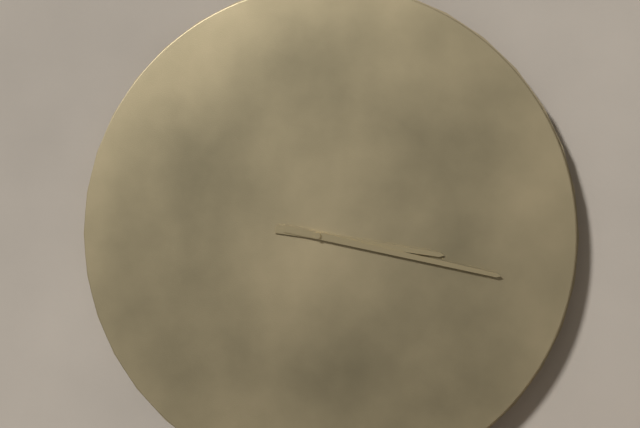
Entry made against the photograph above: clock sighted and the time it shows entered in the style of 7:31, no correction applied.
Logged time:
3:17
